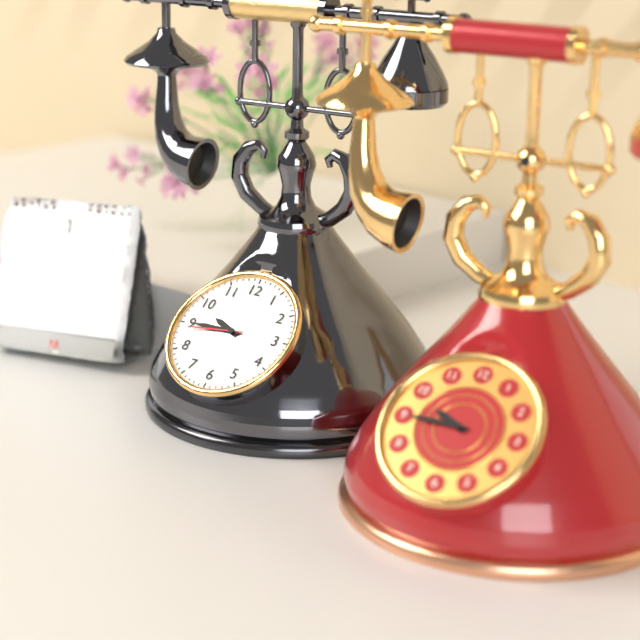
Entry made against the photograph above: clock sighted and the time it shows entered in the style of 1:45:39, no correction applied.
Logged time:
9:45:44
